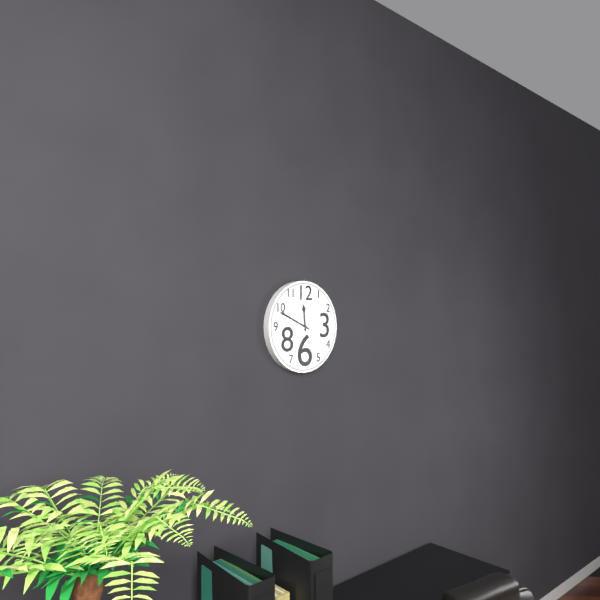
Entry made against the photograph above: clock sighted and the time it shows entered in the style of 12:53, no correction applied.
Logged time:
11:49
